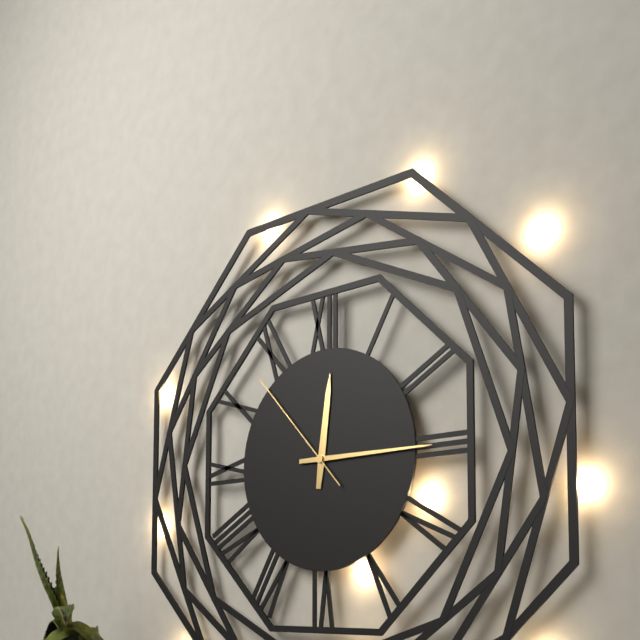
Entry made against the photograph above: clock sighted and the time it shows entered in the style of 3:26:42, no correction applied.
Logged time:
12:15:53
